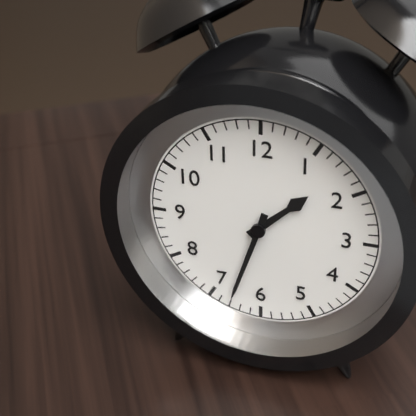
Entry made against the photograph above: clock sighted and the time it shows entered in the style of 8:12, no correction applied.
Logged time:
1:33
